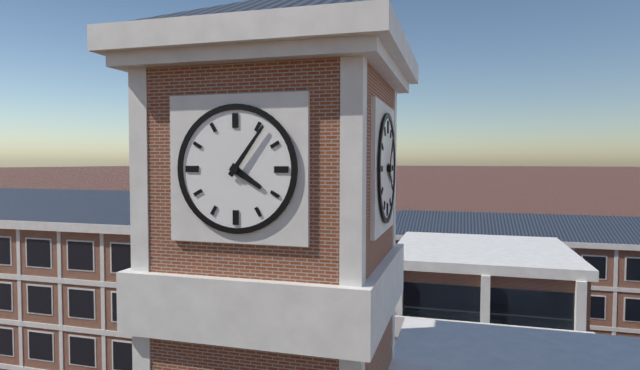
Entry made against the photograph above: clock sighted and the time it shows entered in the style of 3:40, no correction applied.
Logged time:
4:06
